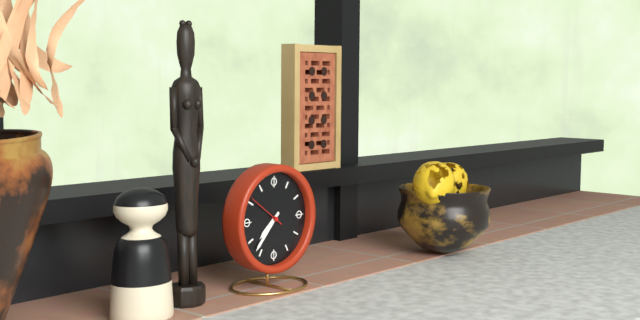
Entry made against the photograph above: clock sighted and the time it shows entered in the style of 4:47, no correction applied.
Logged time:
7:37
